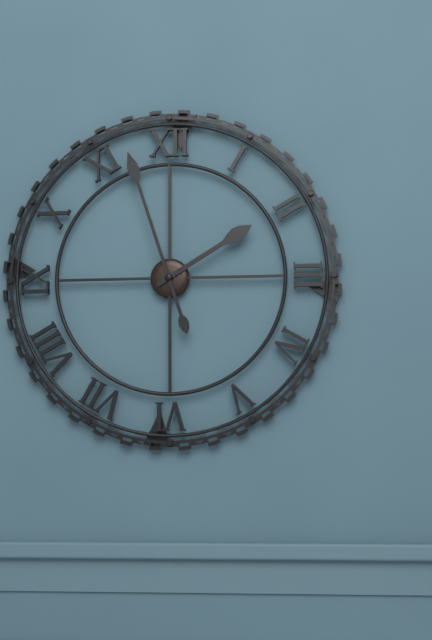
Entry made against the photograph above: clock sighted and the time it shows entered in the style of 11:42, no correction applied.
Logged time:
1:57
